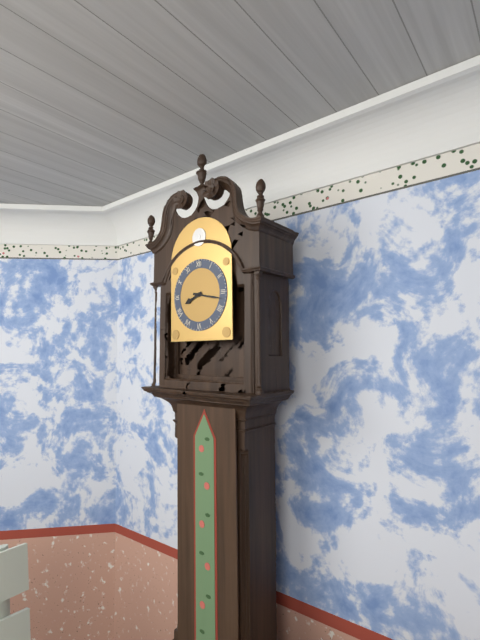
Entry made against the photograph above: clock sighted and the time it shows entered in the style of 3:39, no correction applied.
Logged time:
8:17
